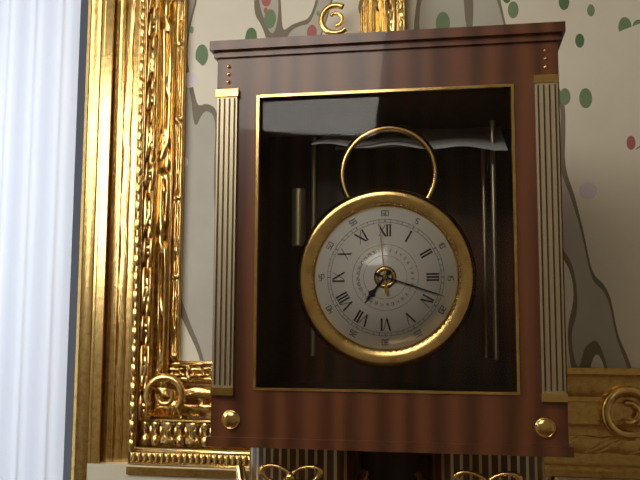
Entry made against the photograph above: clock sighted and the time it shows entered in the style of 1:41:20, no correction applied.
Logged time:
7:18:59
